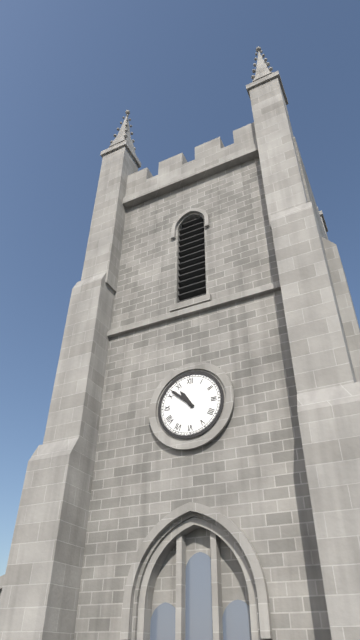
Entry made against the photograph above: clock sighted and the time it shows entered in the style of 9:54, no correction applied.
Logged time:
10:52
